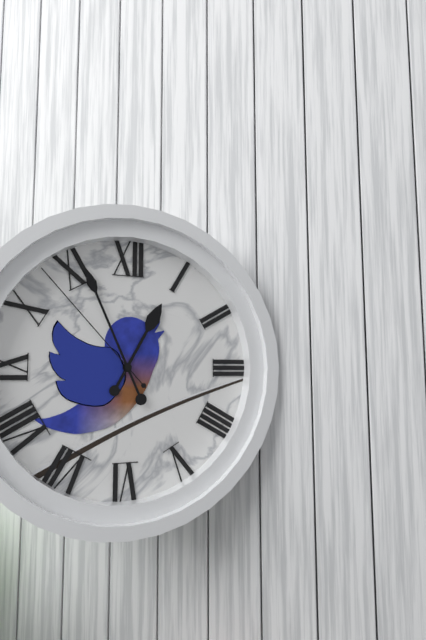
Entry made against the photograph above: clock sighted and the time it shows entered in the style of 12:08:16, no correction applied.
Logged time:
12:56:53
